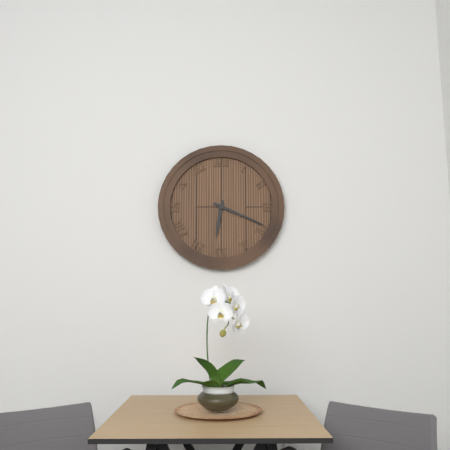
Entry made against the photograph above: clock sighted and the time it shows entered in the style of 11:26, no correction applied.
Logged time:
6:19
